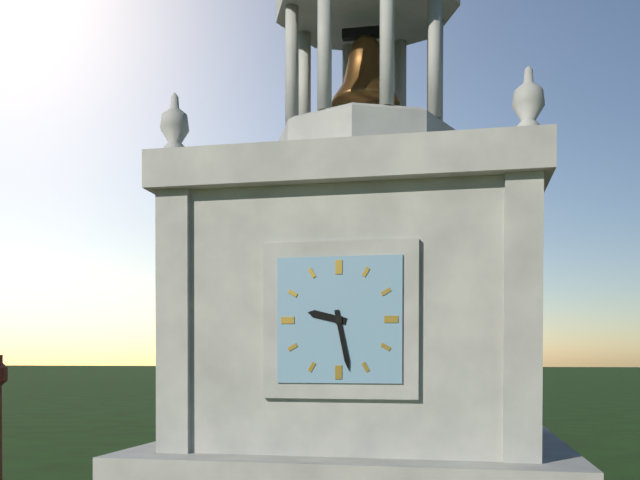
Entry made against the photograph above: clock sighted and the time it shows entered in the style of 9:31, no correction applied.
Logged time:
9:28
